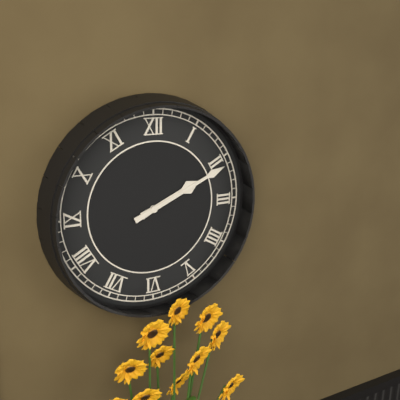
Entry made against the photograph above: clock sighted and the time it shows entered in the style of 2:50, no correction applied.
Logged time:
2:11
